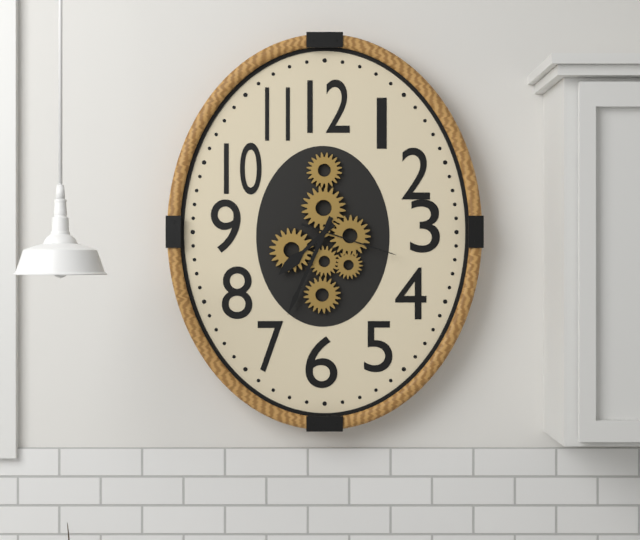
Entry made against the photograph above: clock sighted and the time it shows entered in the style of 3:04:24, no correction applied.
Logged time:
7:34:18
